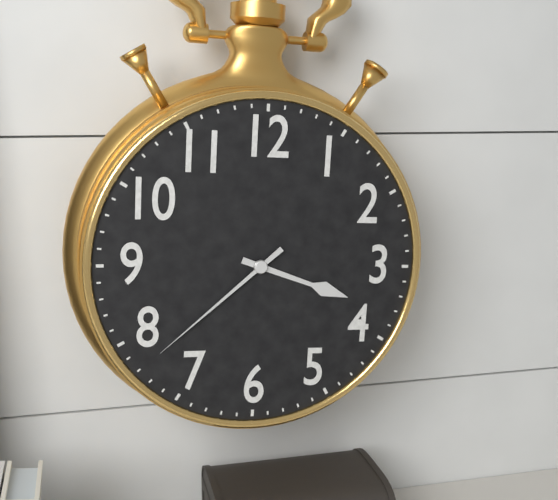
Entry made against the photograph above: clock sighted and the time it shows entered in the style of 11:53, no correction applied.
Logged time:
3:38
